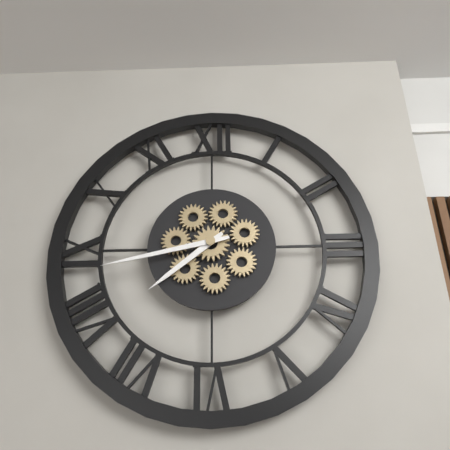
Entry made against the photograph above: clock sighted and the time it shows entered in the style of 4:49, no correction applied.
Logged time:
7:43
